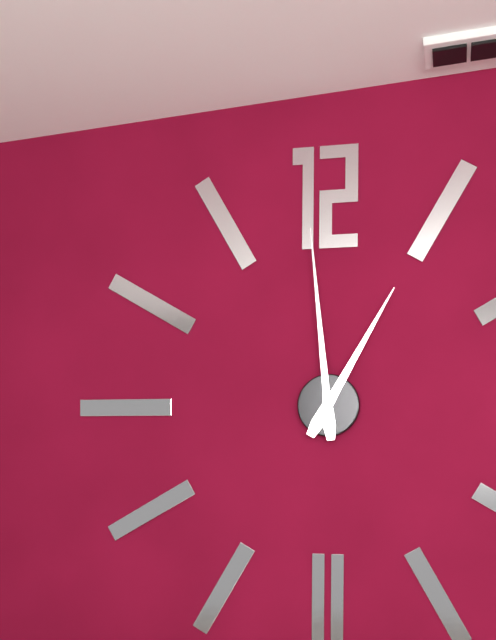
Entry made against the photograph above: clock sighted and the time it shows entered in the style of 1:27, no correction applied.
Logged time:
12:59
